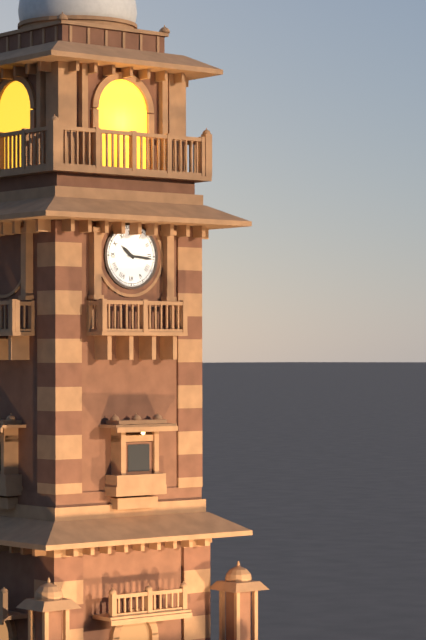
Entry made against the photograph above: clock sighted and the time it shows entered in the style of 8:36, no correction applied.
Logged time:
10:16
